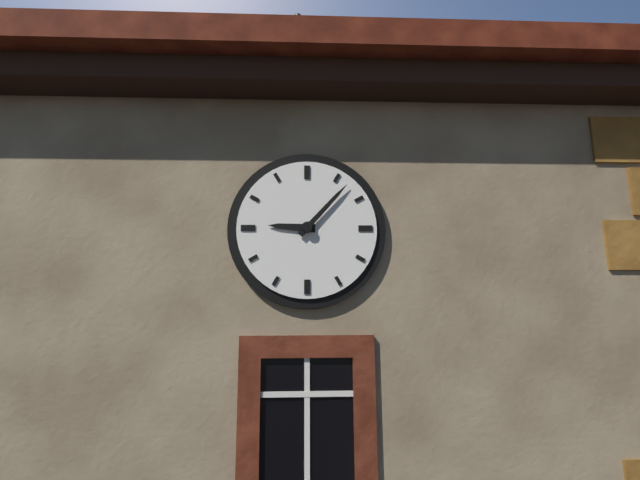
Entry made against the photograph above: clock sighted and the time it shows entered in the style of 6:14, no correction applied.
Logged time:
9:07
